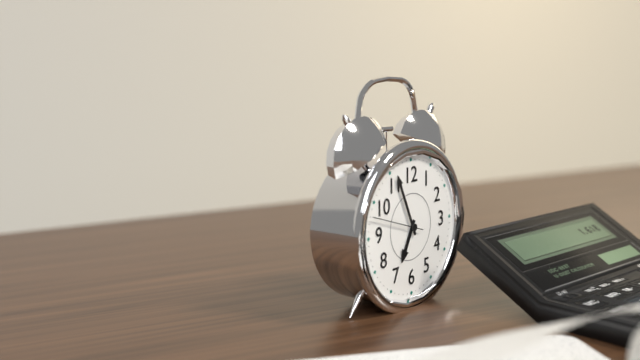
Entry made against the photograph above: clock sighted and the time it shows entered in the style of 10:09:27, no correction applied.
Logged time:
6:56:48
